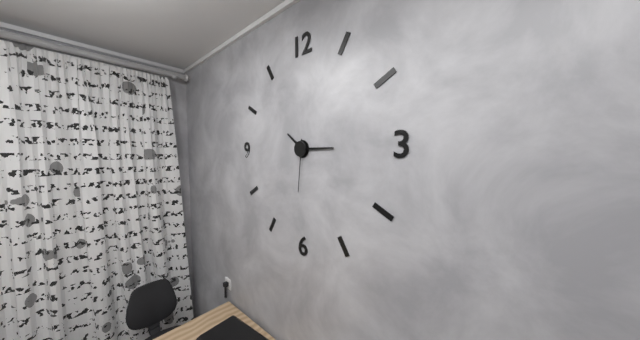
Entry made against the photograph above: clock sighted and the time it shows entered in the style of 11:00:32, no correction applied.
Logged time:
10:15:31
